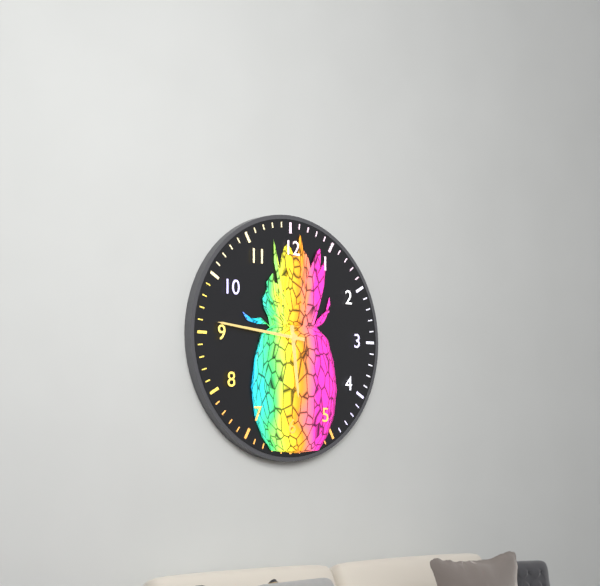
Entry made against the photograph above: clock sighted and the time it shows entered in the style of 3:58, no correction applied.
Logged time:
5:46
